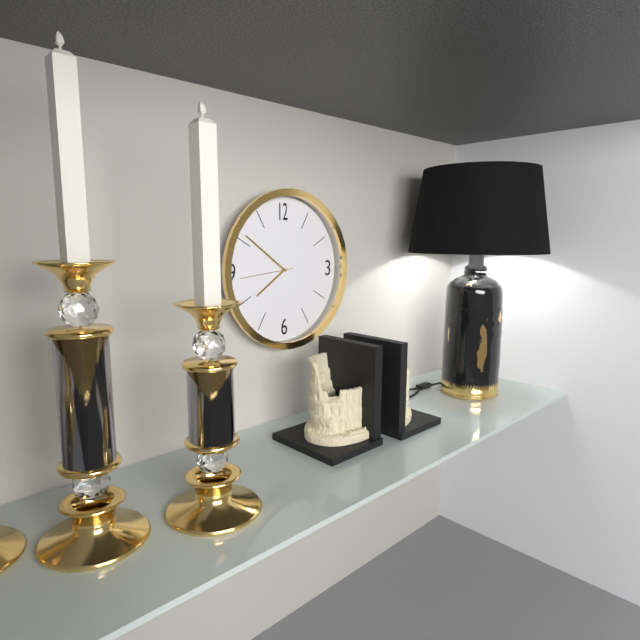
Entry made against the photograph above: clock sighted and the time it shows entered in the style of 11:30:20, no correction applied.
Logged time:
7:51:44
